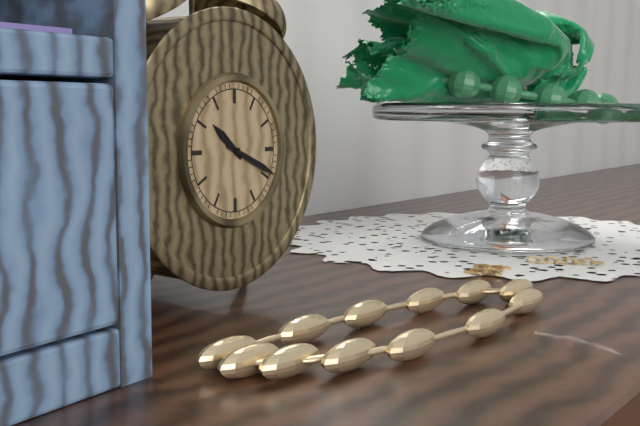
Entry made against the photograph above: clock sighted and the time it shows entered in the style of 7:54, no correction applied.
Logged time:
10:19
